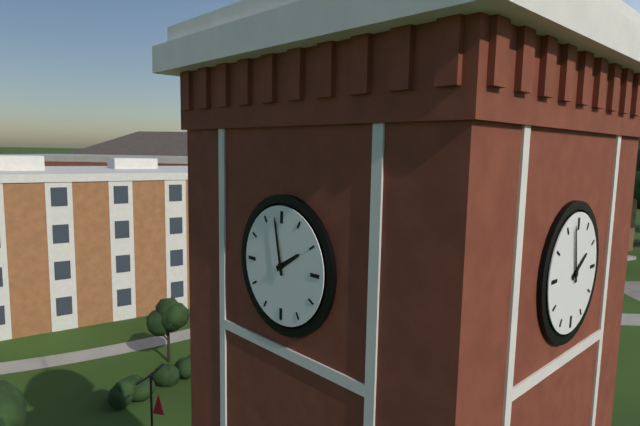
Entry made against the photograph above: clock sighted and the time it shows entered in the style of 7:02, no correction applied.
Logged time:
1:58
